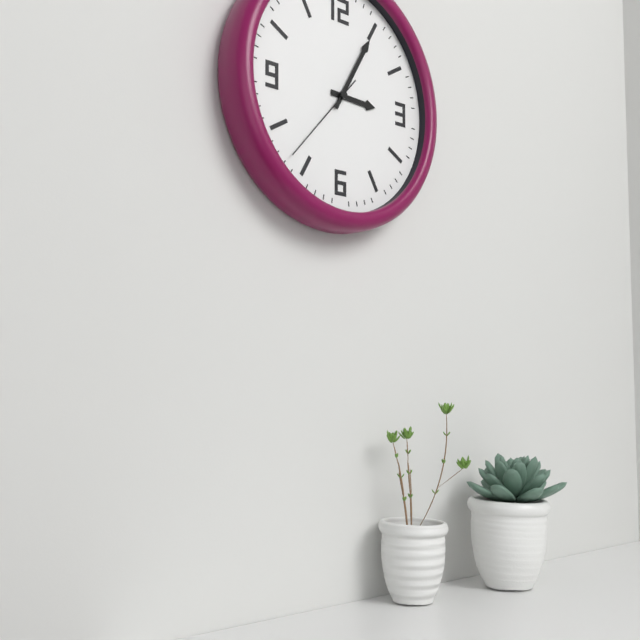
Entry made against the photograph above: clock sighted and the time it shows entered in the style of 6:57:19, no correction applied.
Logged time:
3:05:37
